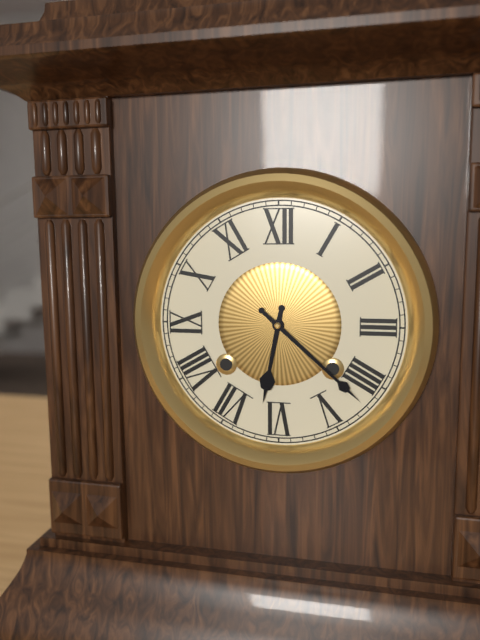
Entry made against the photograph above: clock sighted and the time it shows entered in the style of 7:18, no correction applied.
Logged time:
6:22
